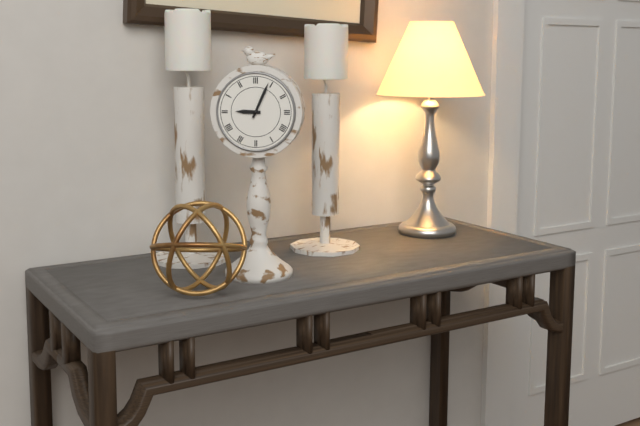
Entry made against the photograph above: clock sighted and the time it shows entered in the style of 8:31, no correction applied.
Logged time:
9:04
